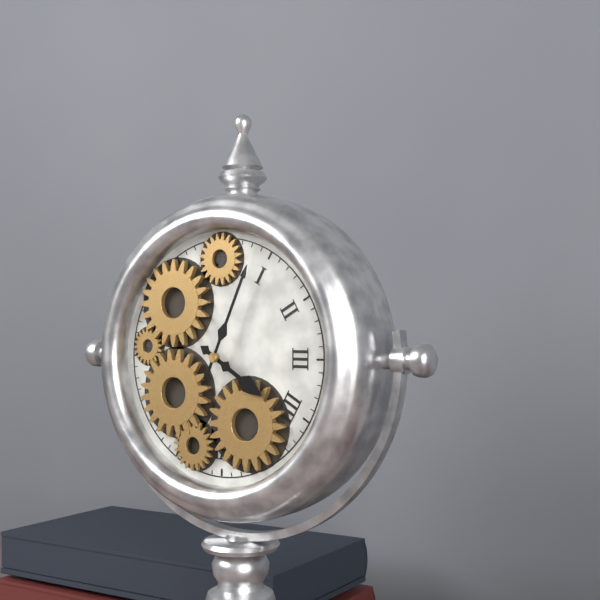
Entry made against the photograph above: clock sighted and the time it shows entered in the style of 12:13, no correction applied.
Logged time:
4:04
